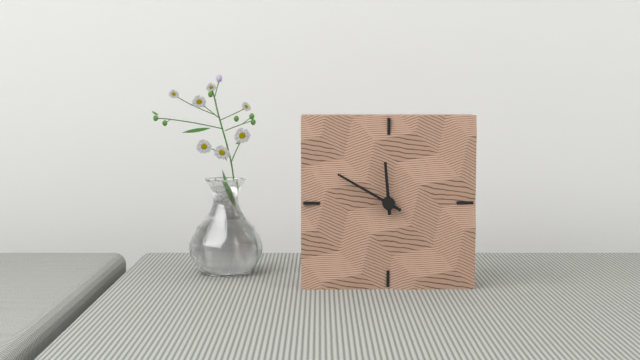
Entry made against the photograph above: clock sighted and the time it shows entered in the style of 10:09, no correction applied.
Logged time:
11:50
